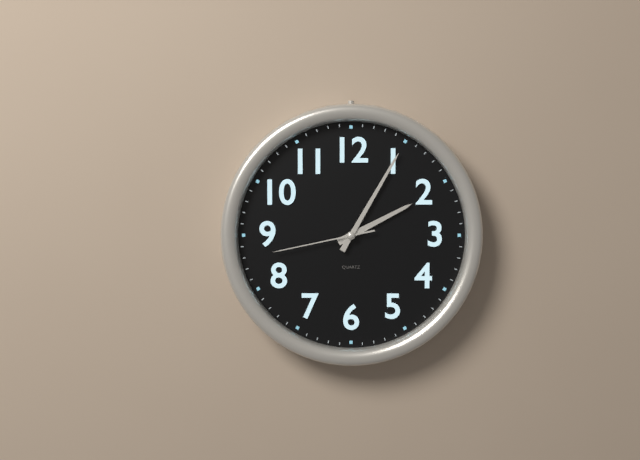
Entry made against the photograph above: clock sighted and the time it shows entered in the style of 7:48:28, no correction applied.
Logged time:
2:05:43
